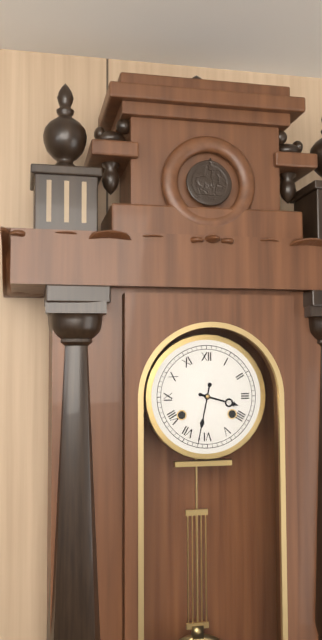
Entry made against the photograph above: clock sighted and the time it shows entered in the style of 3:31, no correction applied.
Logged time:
3:32
